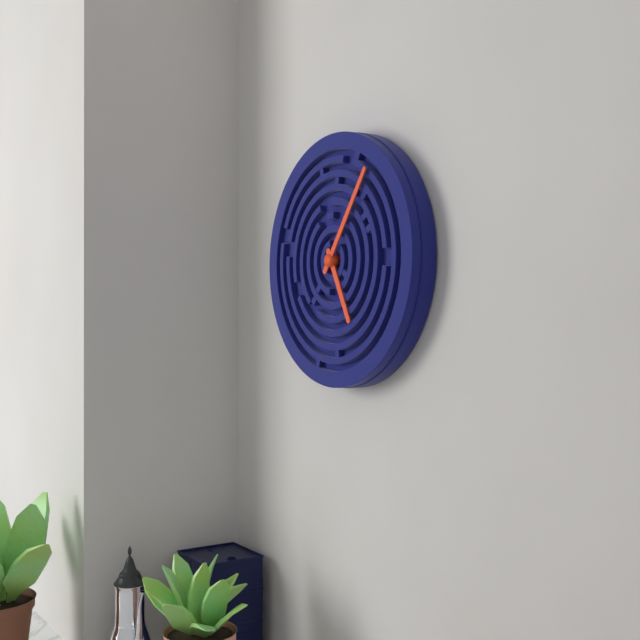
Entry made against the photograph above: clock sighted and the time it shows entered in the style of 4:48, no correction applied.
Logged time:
5:06
